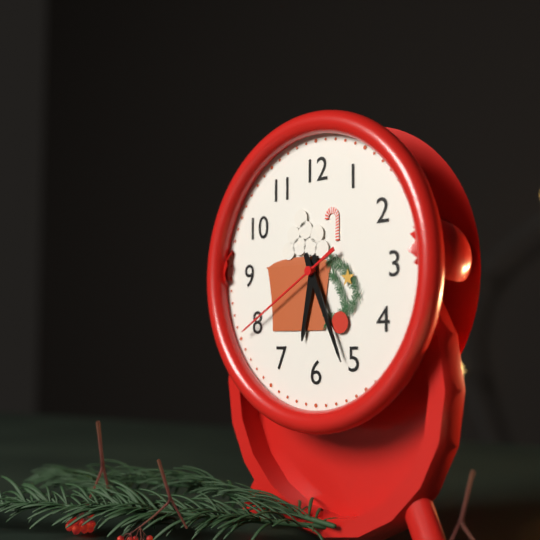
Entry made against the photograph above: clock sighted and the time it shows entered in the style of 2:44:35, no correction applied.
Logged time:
6:26:40
